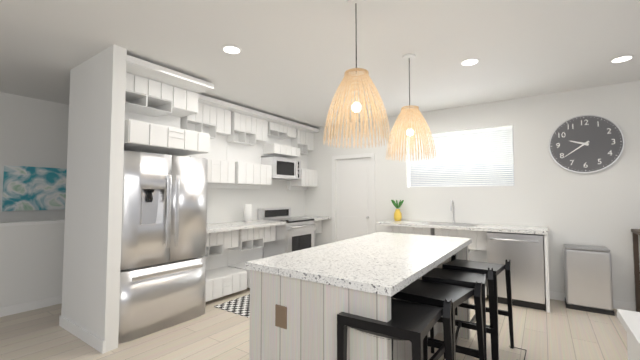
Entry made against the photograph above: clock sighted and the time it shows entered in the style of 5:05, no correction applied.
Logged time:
9:39
